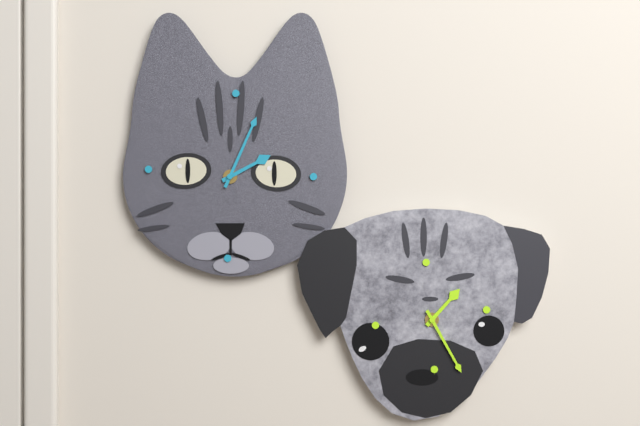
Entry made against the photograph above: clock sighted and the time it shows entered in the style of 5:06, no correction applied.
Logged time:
2:04
